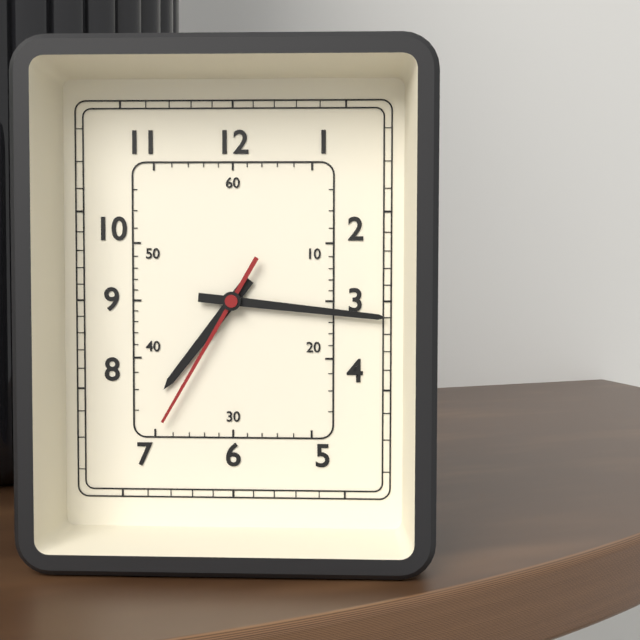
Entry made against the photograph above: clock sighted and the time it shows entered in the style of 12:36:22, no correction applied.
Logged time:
7:16:35
